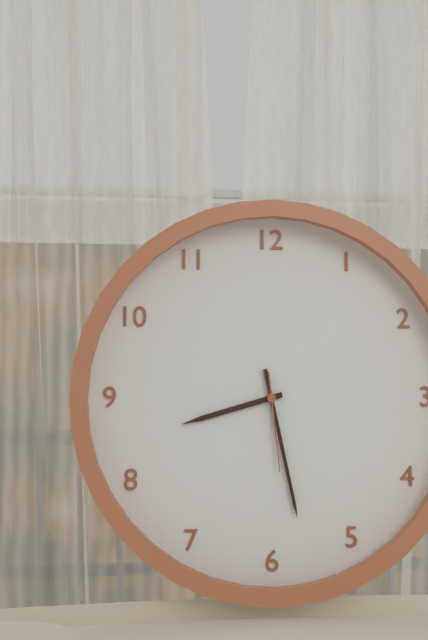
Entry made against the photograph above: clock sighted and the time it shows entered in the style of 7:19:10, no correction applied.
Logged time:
8:28:29
